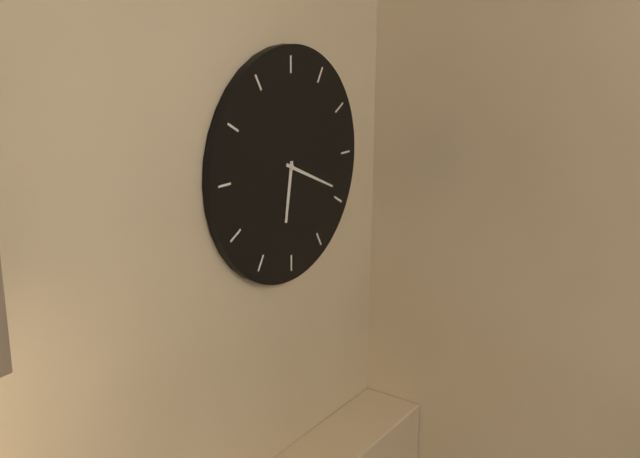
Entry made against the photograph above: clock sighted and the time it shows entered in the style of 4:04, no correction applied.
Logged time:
6:19
